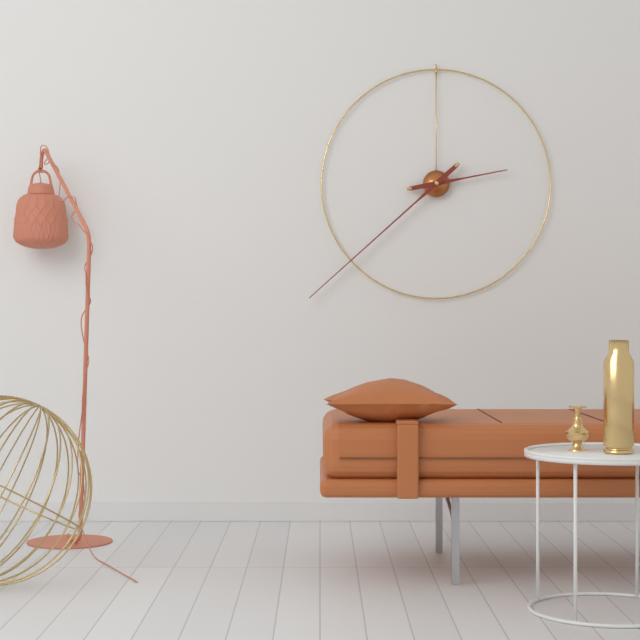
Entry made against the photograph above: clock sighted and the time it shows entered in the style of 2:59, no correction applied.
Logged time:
2:38
